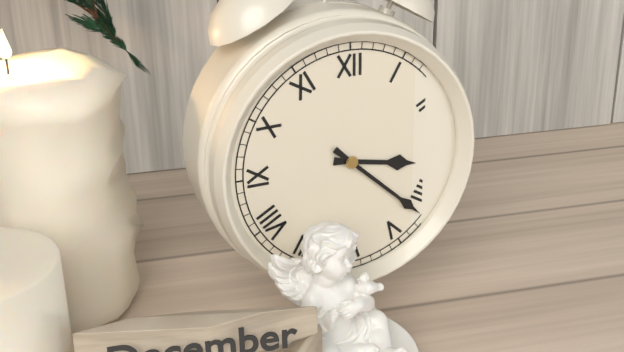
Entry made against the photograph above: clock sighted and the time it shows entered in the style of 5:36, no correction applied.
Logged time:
3:22
